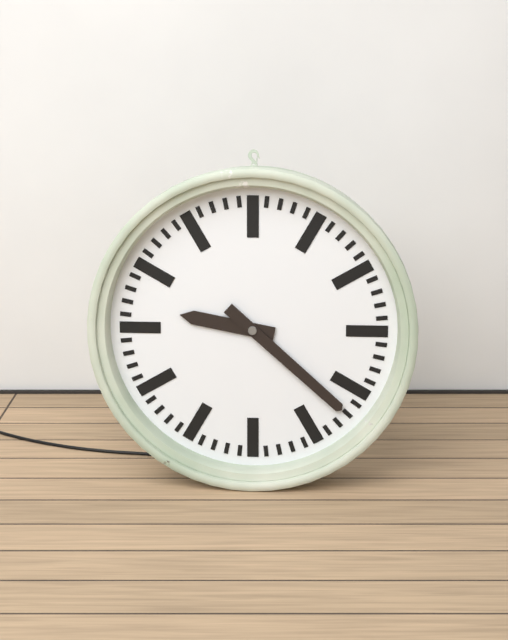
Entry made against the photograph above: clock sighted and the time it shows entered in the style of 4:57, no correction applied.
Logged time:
9:22
